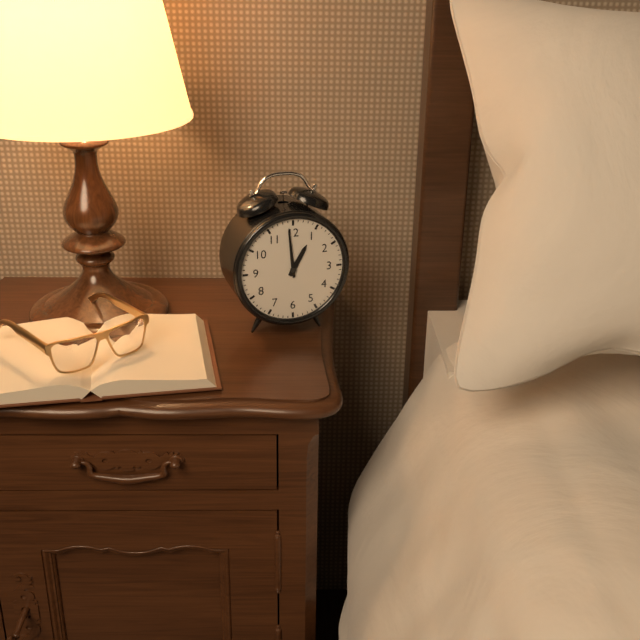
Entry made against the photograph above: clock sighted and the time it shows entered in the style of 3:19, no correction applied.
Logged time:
12:59
